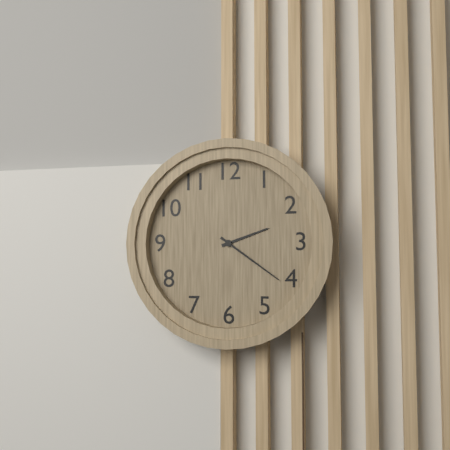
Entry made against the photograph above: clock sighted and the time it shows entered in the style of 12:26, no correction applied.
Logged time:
2:21
